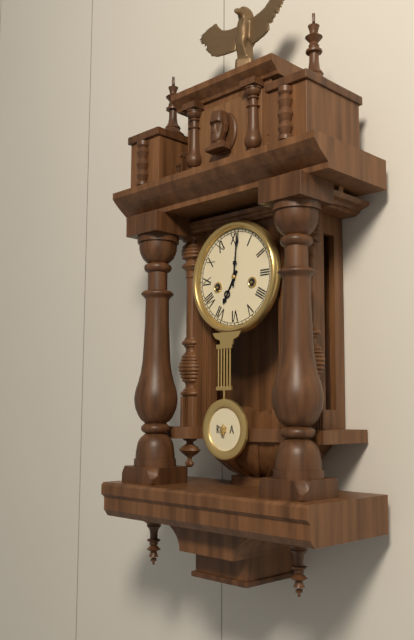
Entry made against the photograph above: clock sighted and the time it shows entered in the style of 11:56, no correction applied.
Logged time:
7:01
